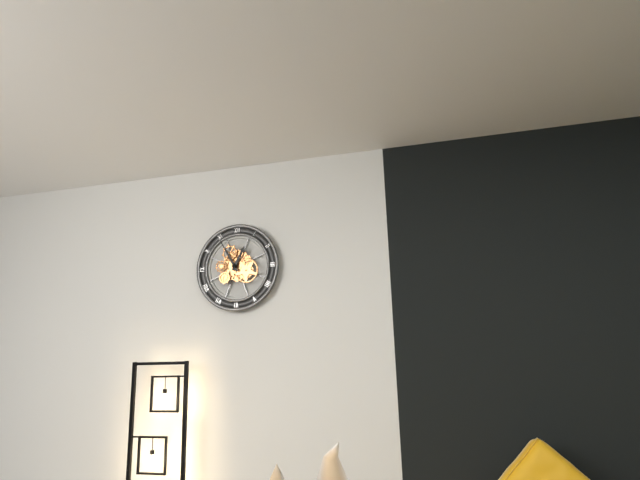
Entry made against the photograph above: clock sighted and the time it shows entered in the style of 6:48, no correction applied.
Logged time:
12:55
